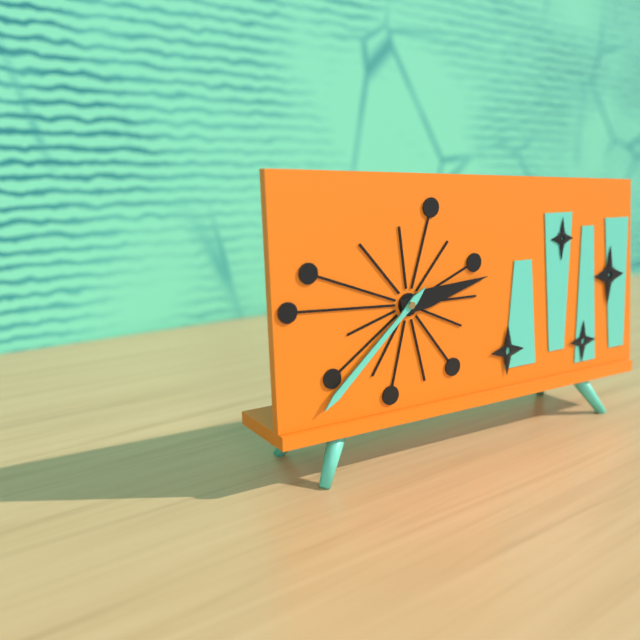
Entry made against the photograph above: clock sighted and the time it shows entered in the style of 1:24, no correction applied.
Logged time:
2:38
